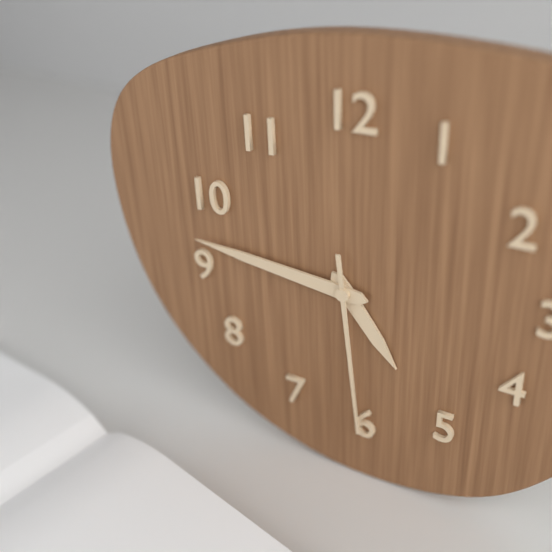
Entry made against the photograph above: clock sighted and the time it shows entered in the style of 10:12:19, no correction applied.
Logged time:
4:46:29
